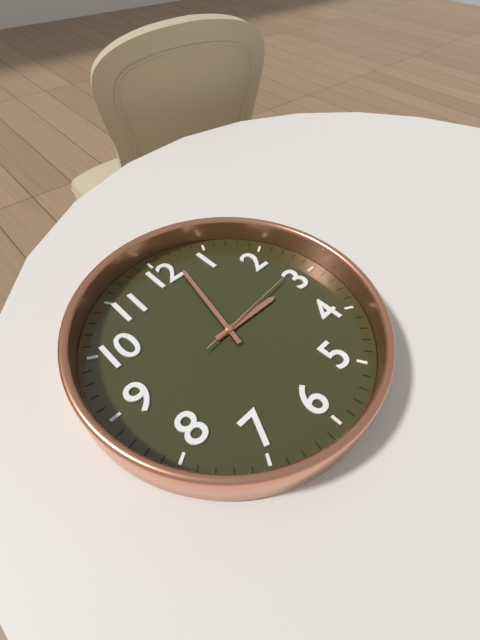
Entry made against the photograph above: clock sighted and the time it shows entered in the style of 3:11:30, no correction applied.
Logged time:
3:02:14
